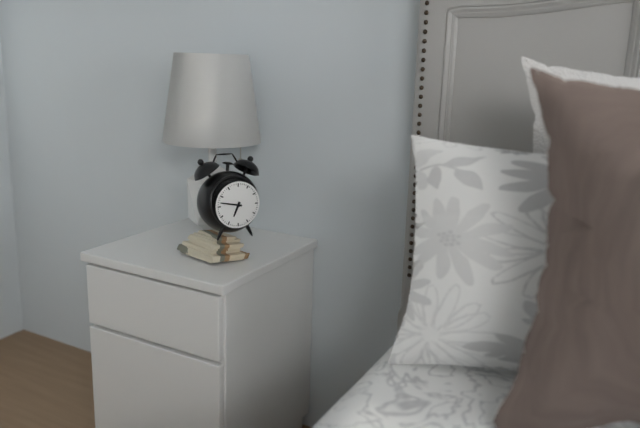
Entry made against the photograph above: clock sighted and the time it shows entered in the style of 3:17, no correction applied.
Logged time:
6:47
